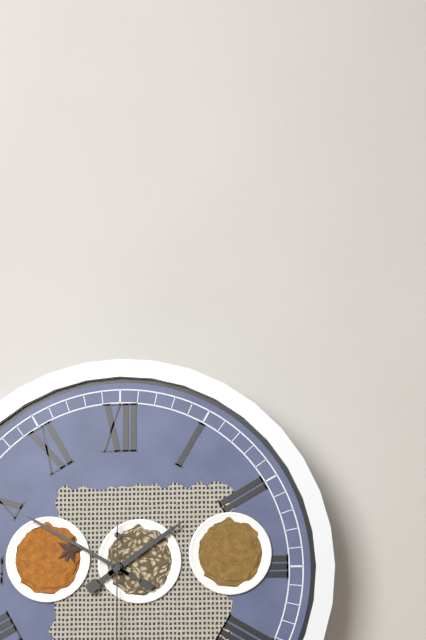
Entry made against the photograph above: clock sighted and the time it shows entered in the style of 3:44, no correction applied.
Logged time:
1:50
